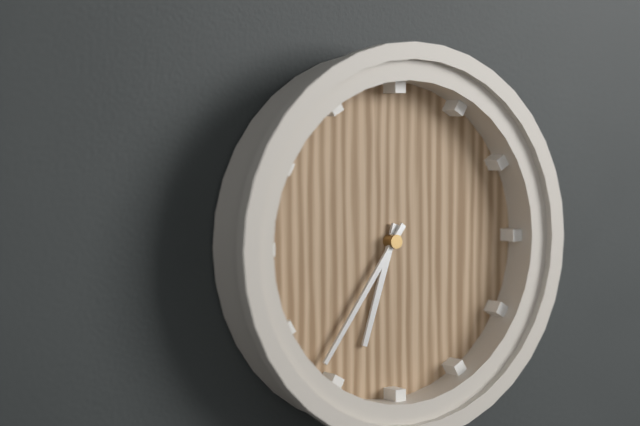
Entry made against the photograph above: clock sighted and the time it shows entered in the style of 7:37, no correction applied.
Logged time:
6:36
